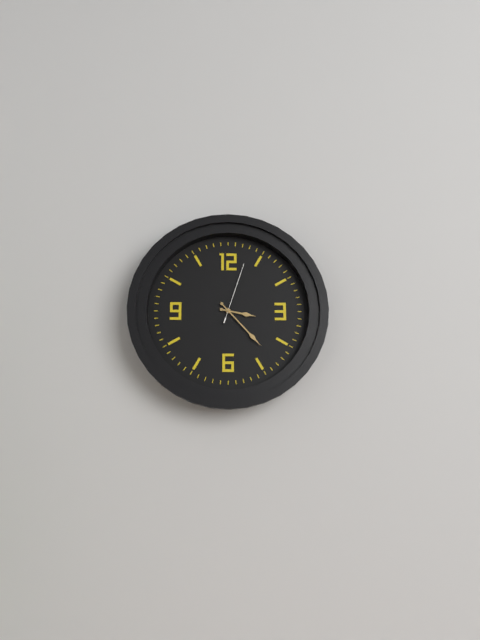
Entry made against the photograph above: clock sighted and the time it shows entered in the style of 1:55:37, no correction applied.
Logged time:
3:23:03
